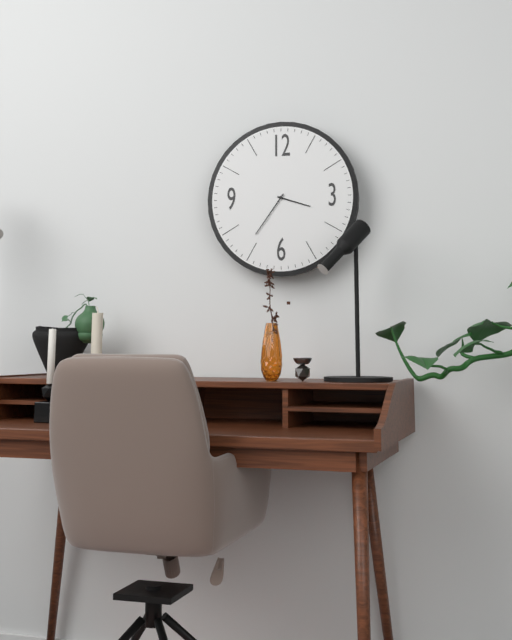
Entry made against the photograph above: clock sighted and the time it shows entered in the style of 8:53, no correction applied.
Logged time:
3:36
